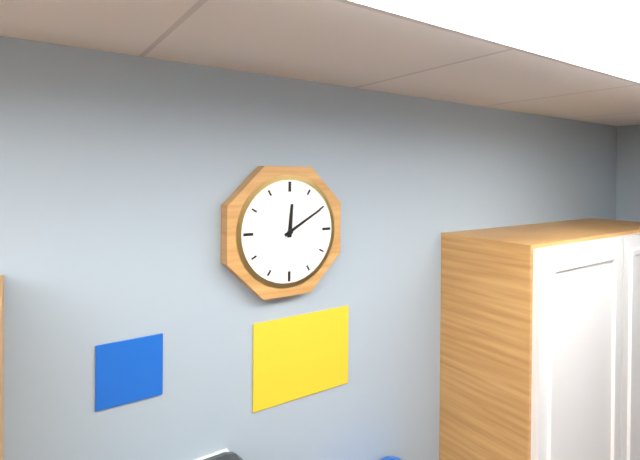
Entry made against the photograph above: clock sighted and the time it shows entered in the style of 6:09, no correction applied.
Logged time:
12:10
